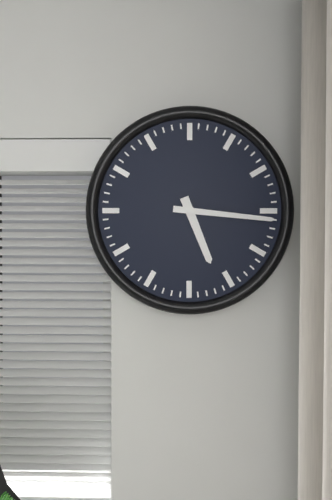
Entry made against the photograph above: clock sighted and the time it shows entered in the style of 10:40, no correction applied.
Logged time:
5:16
